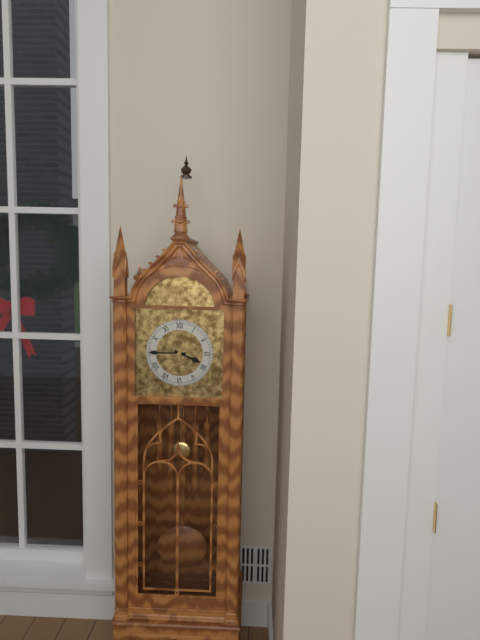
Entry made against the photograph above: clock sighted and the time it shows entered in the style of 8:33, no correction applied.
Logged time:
3:45
